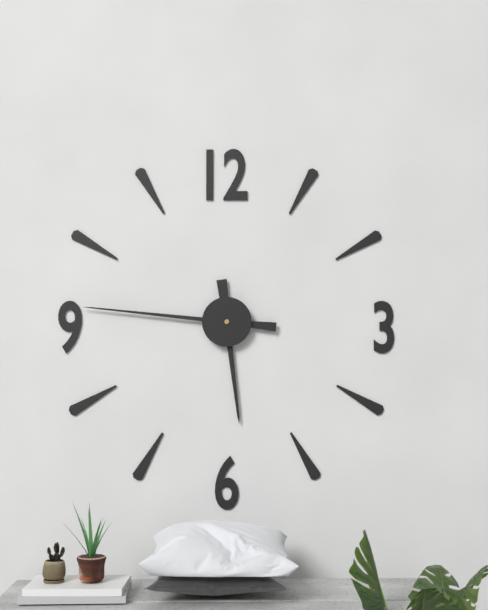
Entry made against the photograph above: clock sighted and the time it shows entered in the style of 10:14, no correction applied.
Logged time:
5:46
